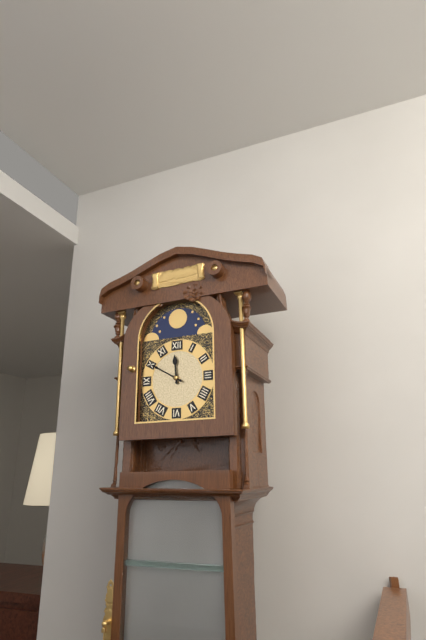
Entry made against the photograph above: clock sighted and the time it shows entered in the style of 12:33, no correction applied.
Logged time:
11:50
